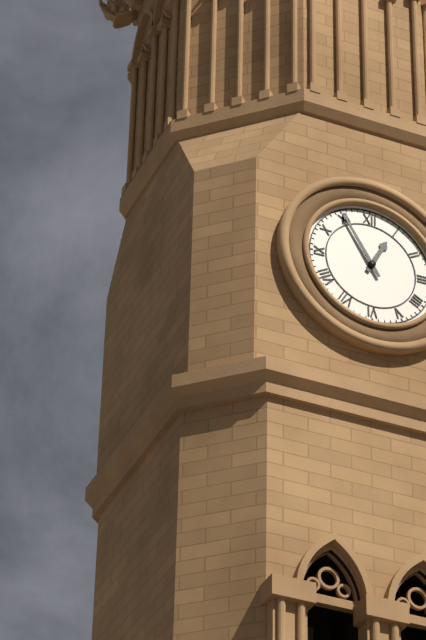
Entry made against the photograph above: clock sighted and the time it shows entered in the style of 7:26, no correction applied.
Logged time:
12:55
